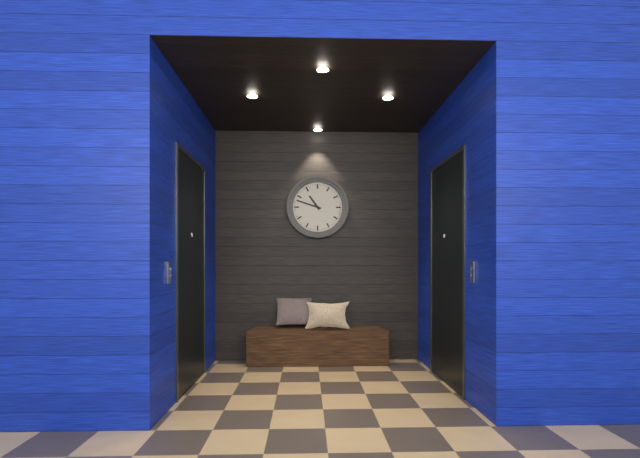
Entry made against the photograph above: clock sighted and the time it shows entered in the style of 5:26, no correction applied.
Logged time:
10:48
